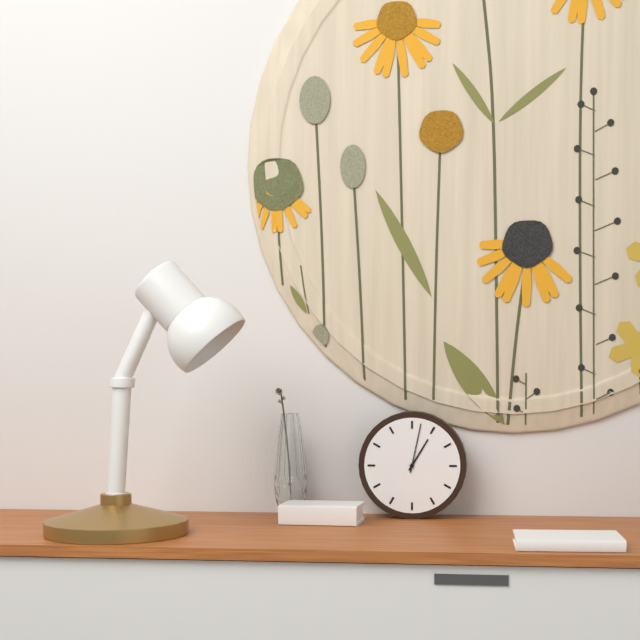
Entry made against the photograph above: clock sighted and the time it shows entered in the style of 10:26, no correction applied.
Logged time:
1:02
